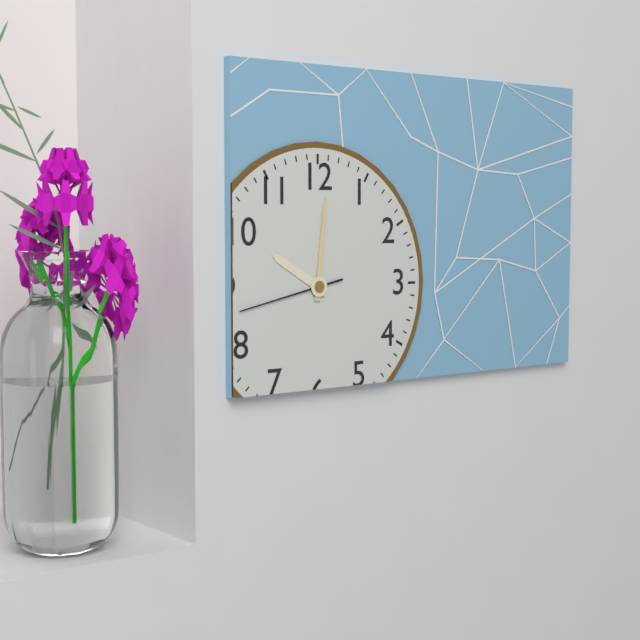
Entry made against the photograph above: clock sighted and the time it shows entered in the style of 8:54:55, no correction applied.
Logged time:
10:01:43
